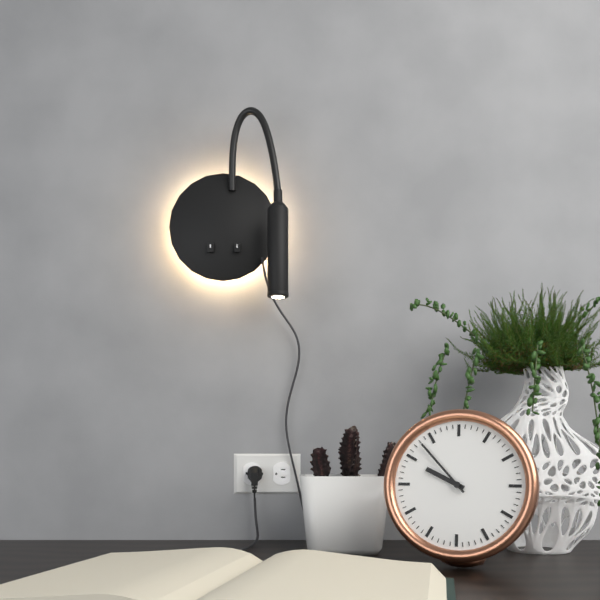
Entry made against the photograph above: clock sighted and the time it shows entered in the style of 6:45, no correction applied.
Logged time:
9:53
